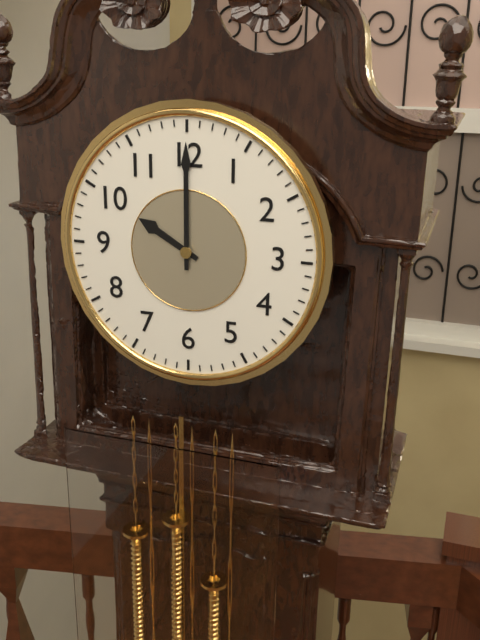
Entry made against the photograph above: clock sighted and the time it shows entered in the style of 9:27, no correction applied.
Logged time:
10:00
